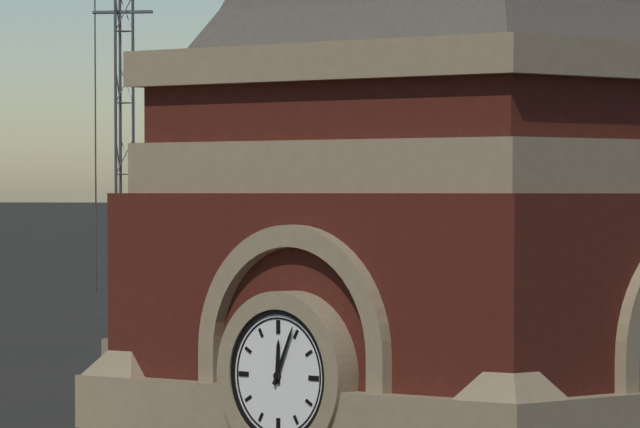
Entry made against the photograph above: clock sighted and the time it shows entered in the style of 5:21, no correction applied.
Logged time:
12:04
